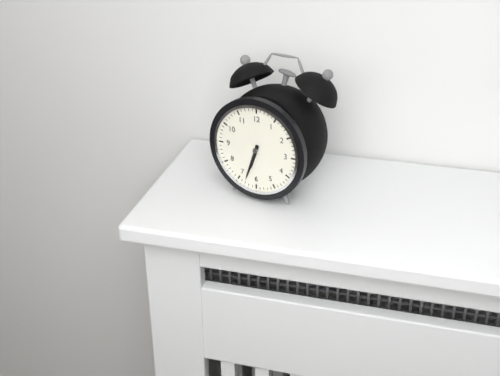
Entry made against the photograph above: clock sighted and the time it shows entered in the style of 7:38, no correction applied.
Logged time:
6:33
